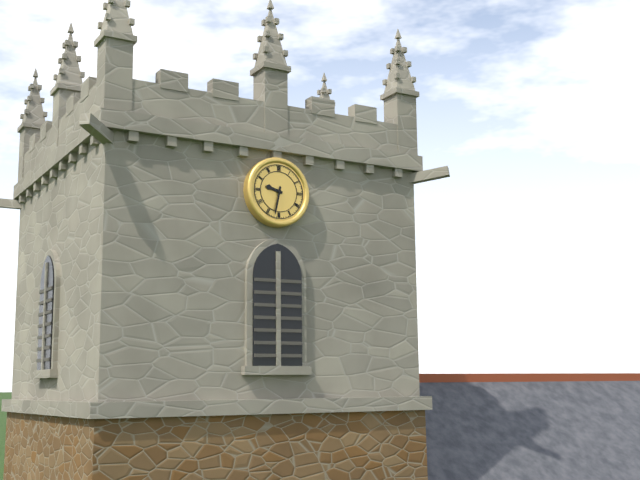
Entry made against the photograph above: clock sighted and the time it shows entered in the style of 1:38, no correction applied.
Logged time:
9:32
